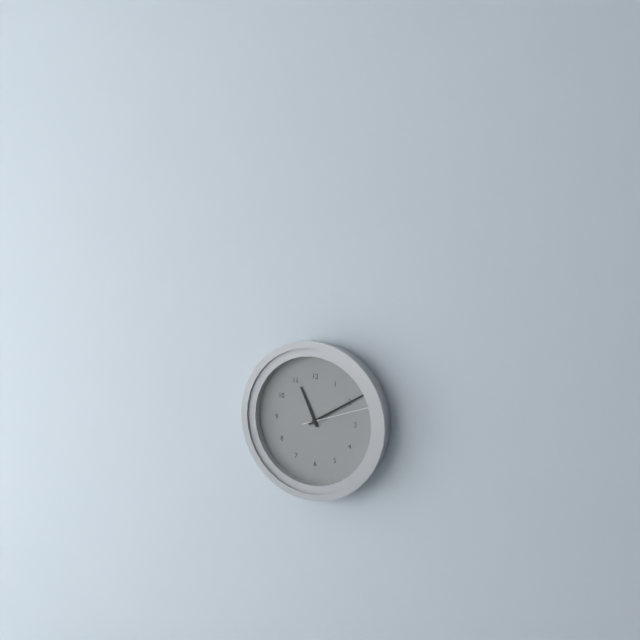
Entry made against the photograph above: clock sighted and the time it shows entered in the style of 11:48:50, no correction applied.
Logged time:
11:10:12
